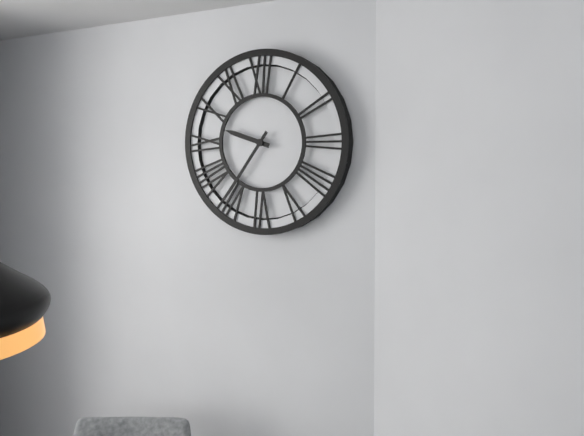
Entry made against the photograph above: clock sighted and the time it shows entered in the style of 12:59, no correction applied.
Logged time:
9:36
